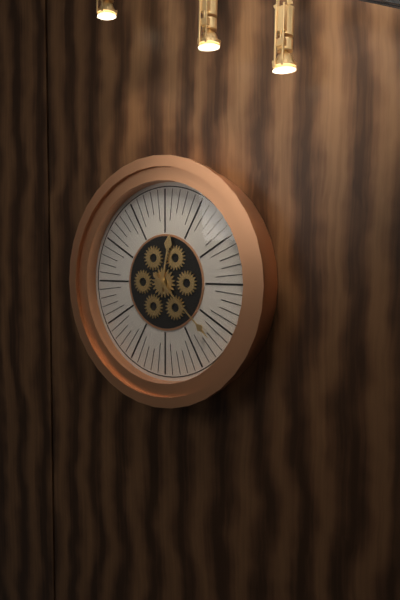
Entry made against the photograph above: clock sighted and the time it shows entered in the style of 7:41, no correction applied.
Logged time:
12:22
